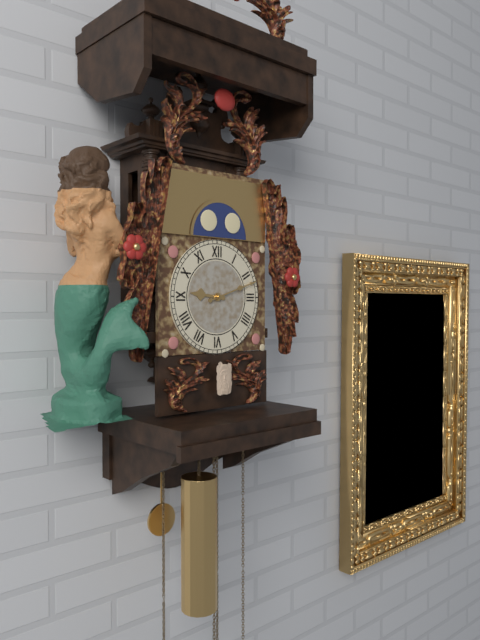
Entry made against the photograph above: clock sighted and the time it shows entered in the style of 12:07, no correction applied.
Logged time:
9:12
